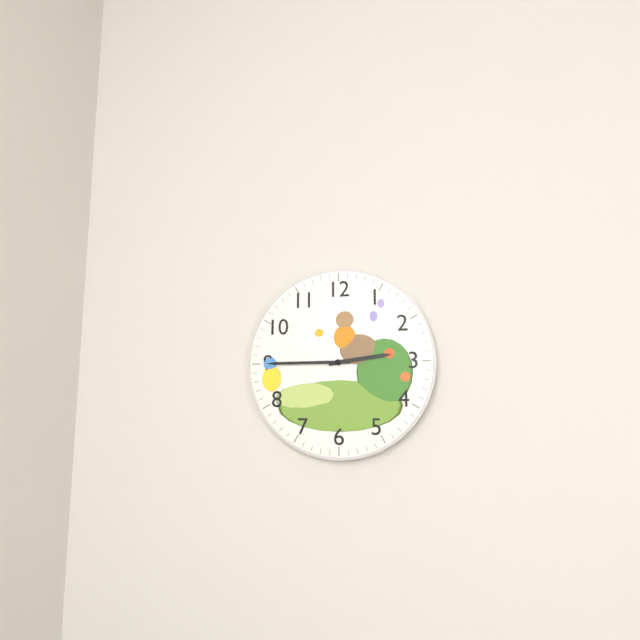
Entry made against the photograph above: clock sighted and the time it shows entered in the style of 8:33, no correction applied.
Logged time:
2:45
